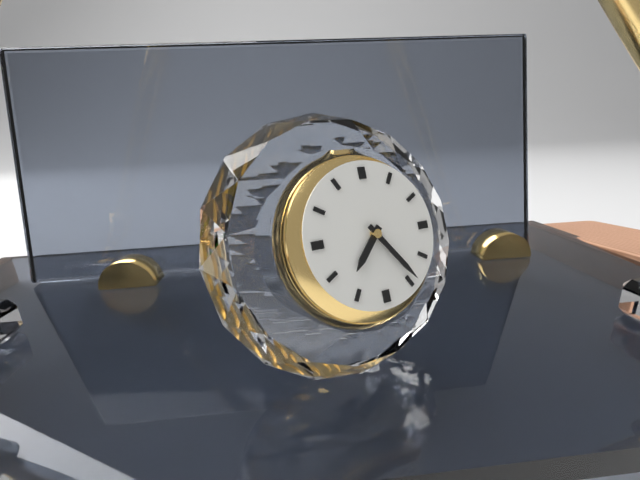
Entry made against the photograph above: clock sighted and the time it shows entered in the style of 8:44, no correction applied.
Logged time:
7:24
